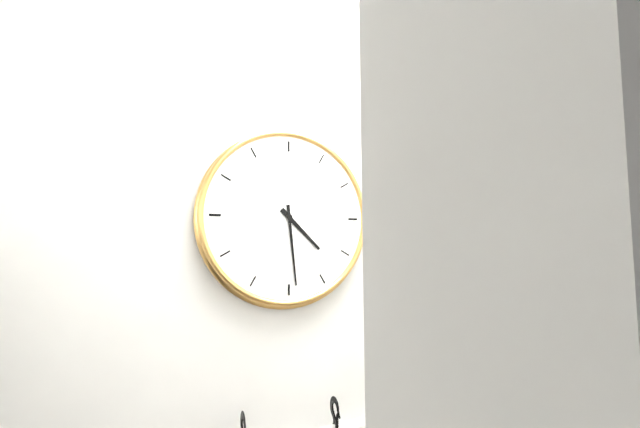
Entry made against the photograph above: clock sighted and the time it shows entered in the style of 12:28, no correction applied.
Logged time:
4:29
